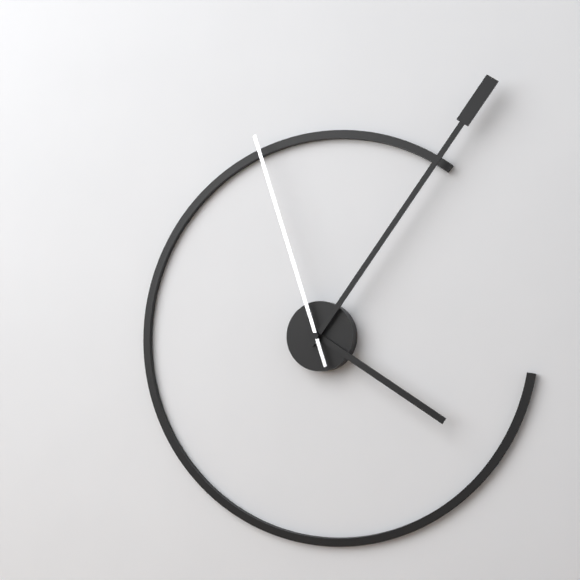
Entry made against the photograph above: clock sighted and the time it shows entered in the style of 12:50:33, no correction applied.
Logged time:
4:06:57
